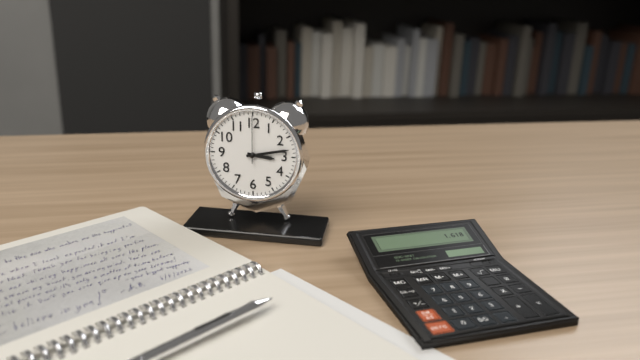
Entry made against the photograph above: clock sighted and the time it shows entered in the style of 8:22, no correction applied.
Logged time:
3:13
